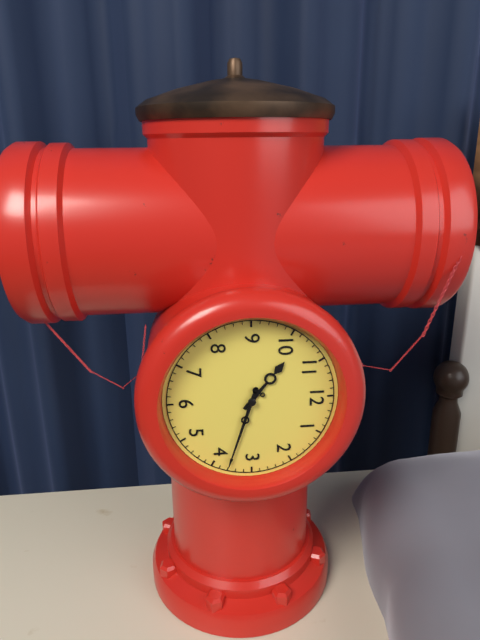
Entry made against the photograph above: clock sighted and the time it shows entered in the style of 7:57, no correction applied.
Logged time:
10:18
